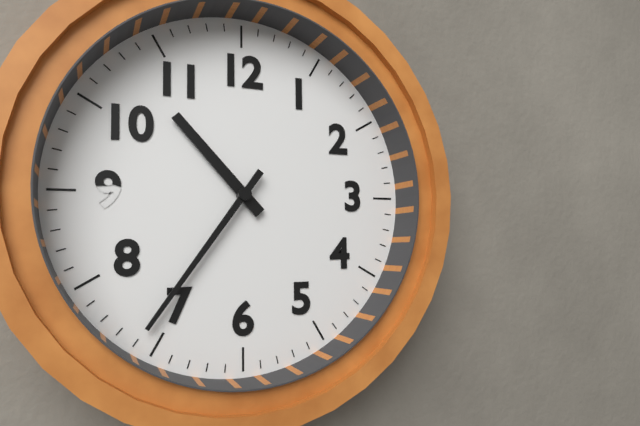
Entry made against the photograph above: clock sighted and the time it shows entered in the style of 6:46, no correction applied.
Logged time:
10:36
